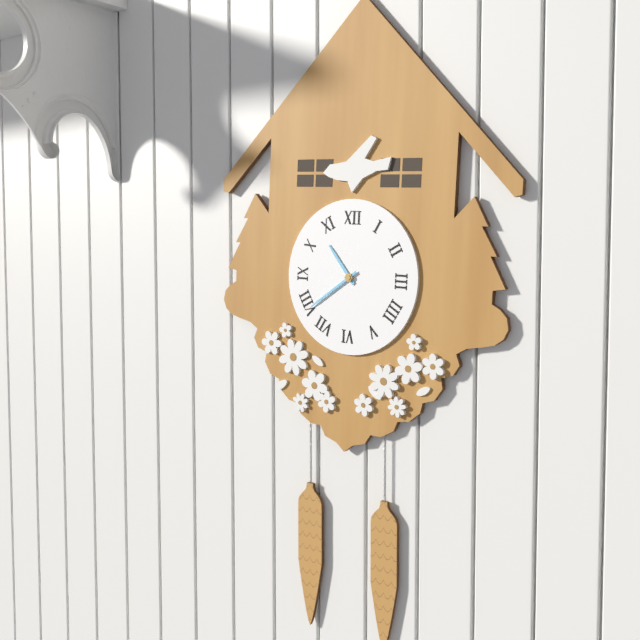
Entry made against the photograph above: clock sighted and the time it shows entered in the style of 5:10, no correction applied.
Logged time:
10:39
